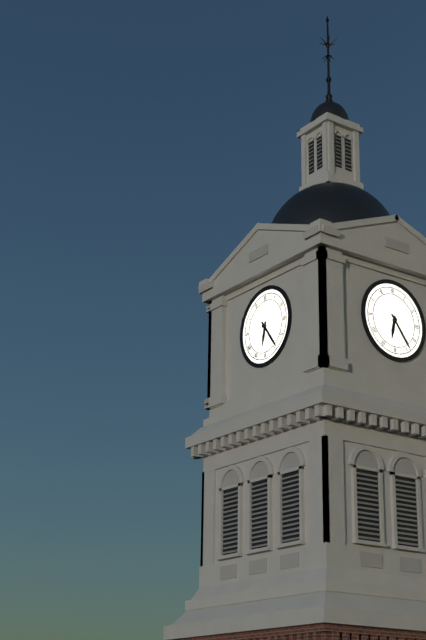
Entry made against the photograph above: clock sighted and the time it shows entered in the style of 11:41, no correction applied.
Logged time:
6:24
